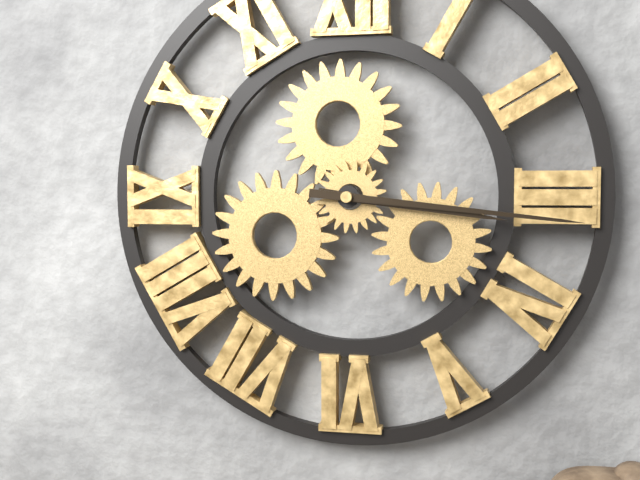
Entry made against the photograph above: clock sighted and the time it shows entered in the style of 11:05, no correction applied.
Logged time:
3:16
